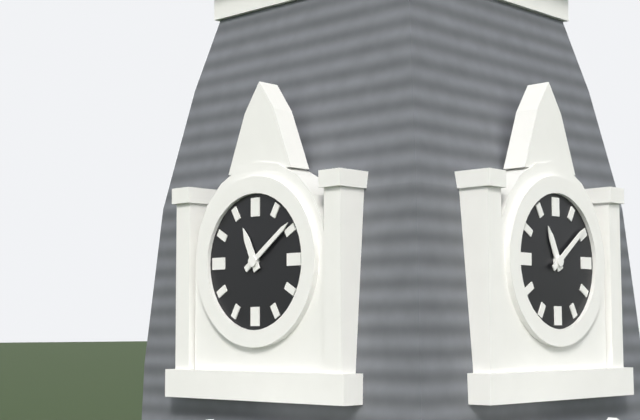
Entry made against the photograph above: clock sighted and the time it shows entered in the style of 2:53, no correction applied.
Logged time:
11:09
